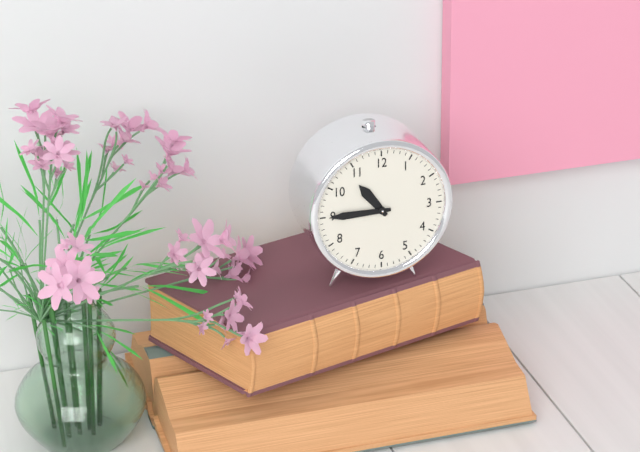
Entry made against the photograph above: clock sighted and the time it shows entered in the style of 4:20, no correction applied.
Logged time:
10:45
